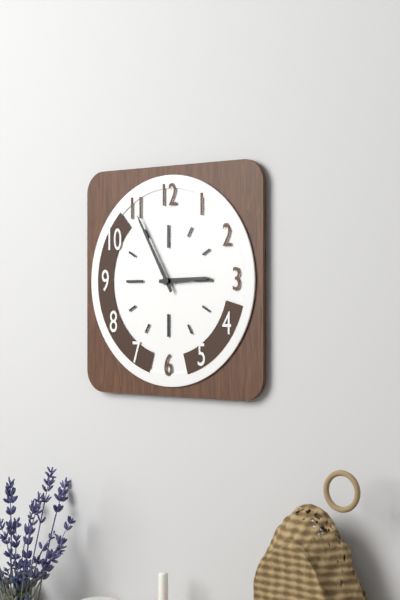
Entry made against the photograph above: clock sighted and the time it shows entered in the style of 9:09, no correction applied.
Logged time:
2:55
